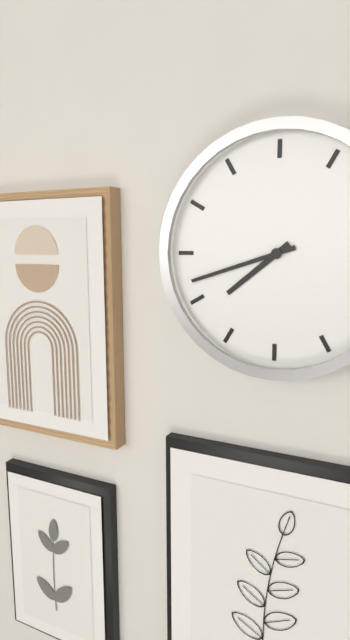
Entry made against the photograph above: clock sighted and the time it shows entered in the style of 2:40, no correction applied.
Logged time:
7:42
